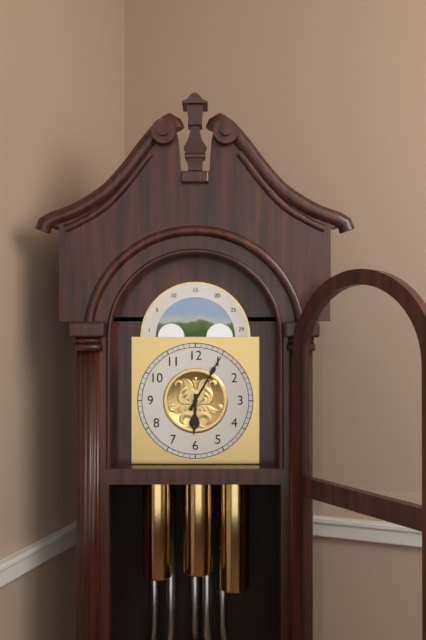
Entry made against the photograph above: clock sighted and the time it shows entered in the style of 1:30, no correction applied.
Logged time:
6:05
